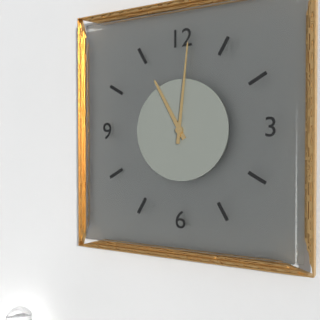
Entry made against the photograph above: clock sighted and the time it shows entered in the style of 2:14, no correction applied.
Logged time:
11:01
